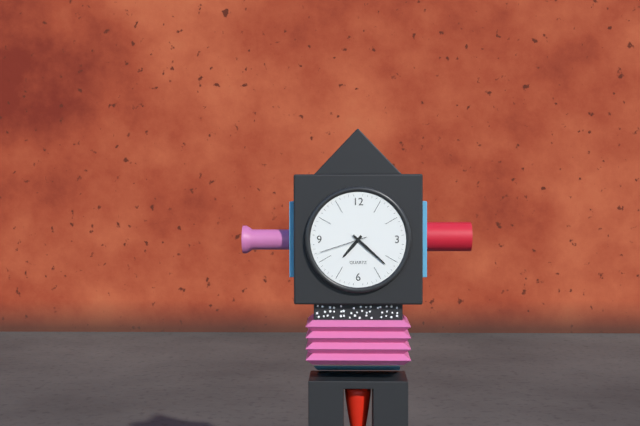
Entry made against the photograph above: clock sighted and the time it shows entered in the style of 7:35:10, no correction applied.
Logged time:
7:22:42
